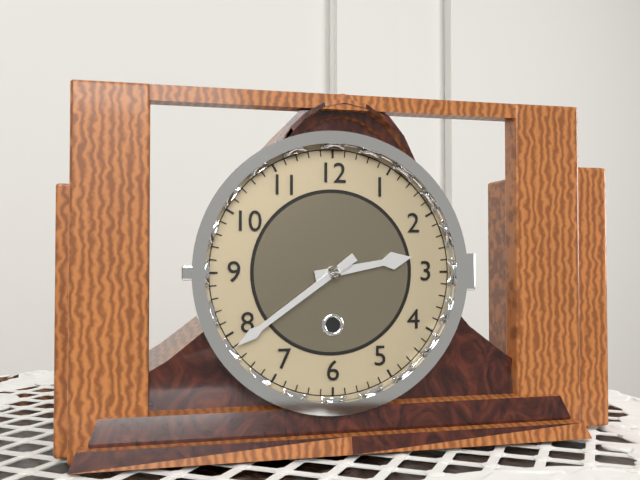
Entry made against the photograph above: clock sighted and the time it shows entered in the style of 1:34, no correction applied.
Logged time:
2:39
